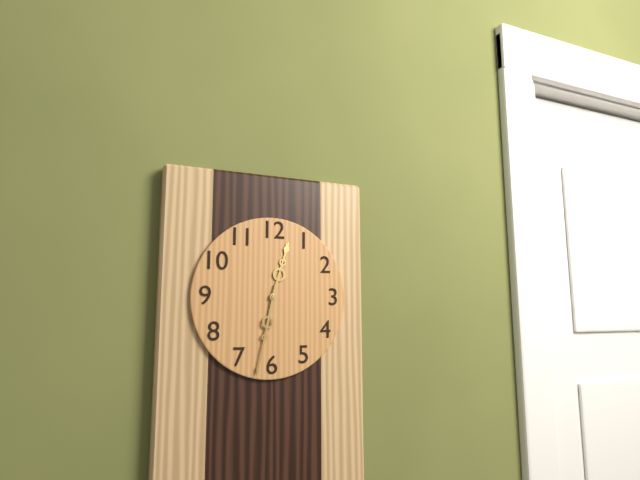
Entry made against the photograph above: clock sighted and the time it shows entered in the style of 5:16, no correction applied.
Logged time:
12:32
